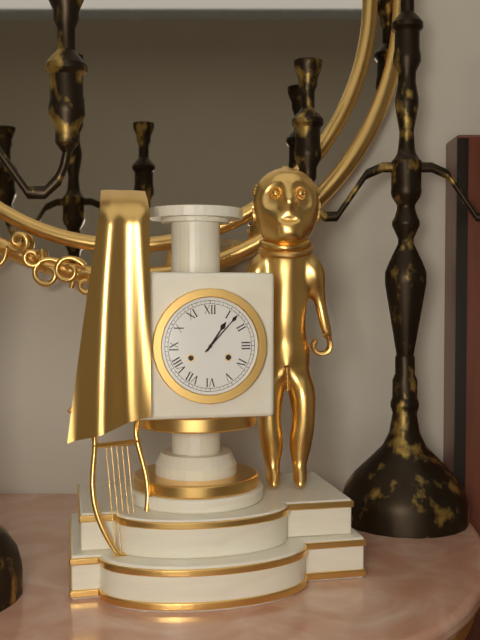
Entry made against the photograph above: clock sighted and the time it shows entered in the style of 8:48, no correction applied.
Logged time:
1:07
